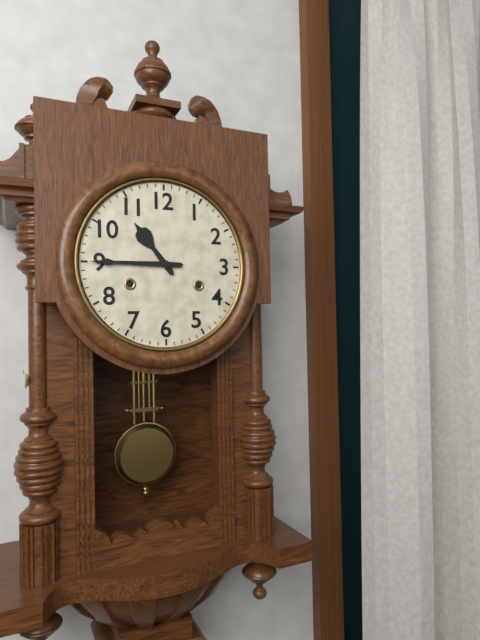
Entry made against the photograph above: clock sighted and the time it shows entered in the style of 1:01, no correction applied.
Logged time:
10:45
